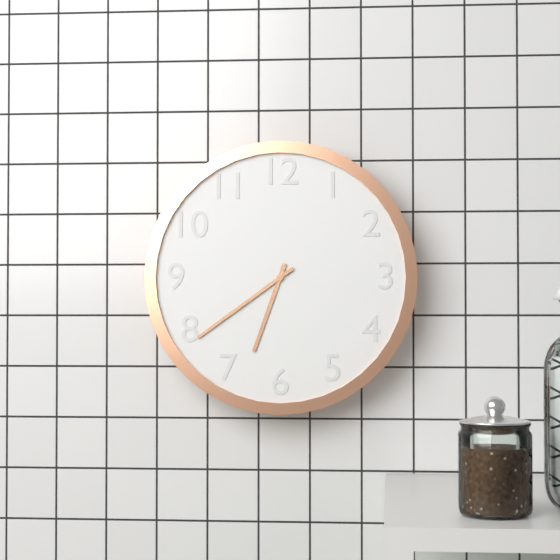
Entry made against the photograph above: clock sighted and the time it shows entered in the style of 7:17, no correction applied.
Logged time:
6:39
